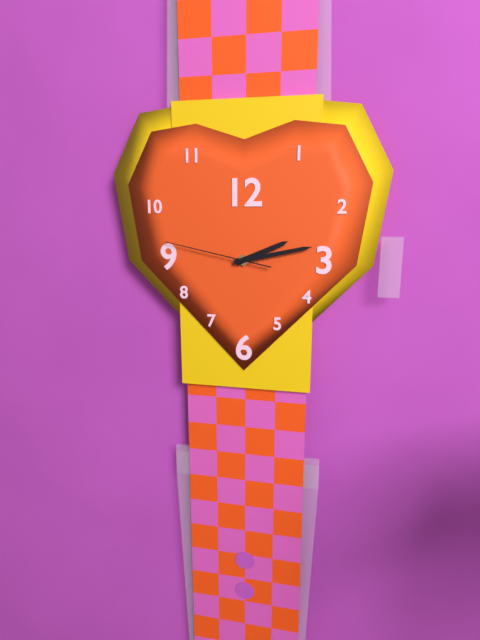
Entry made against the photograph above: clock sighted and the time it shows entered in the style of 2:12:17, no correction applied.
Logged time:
2:13:47
